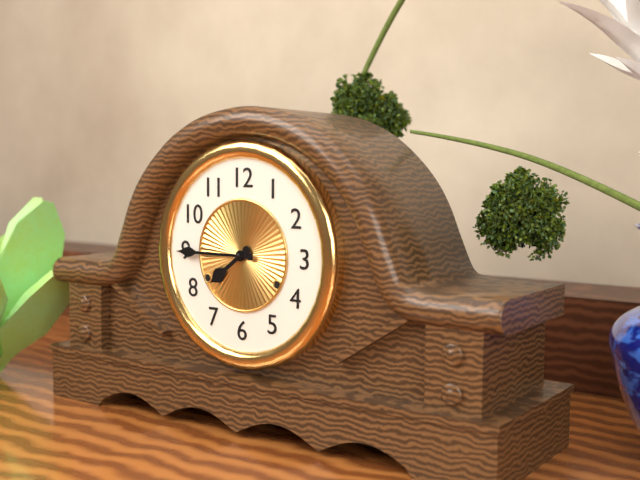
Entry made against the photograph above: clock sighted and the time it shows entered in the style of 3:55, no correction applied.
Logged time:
7:45
